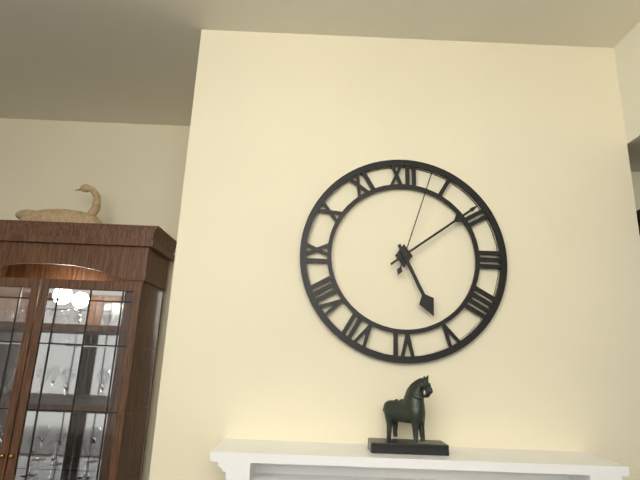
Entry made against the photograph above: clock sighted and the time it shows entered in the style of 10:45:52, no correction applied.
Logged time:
5:09:03
